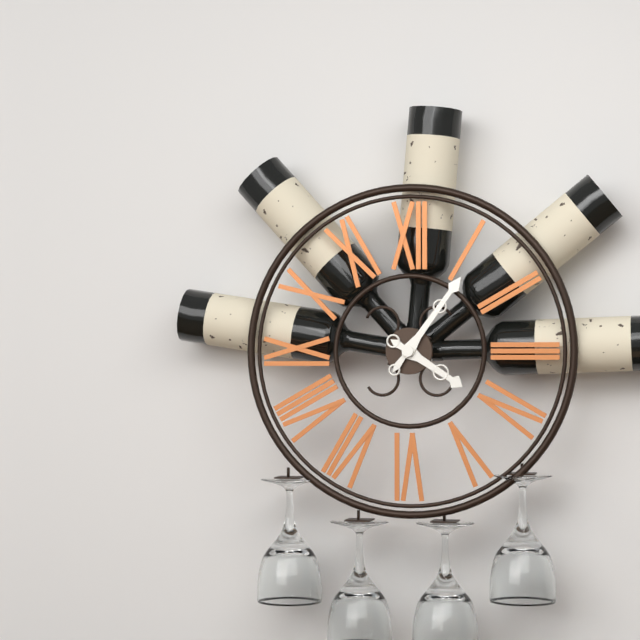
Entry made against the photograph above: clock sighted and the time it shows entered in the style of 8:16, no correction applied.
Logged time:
4:06
